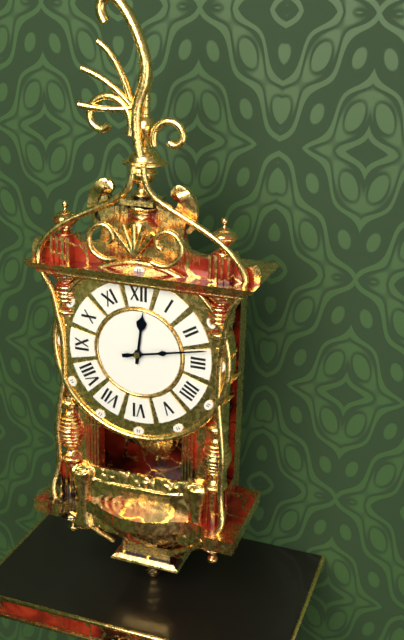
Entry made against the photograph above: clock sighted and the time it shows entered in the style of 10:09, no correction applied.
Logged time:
12:13
